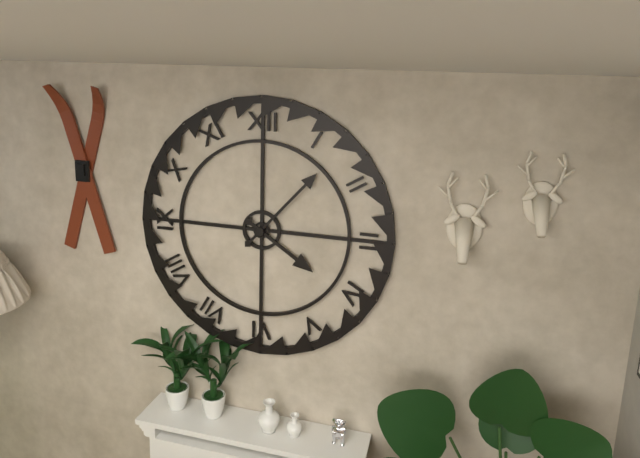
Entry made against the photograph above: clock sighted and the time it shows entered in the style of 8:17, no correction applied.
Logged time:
4:07
